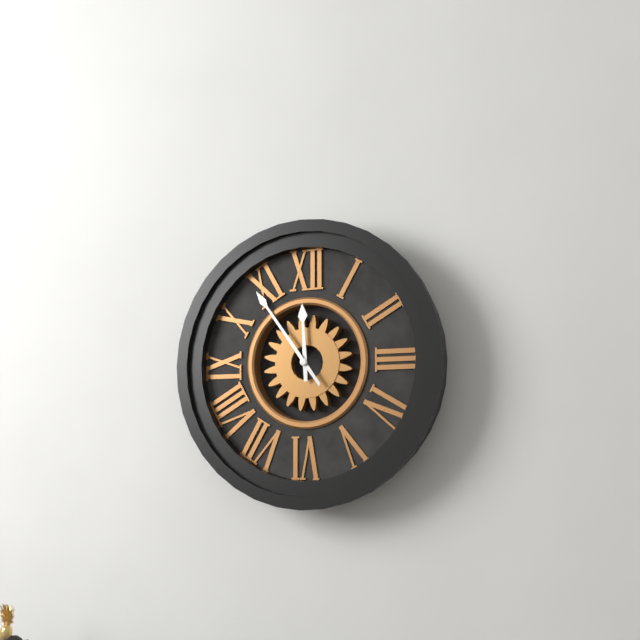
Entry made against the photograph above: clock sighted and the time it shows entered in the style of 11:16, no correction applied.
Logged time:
11:54
